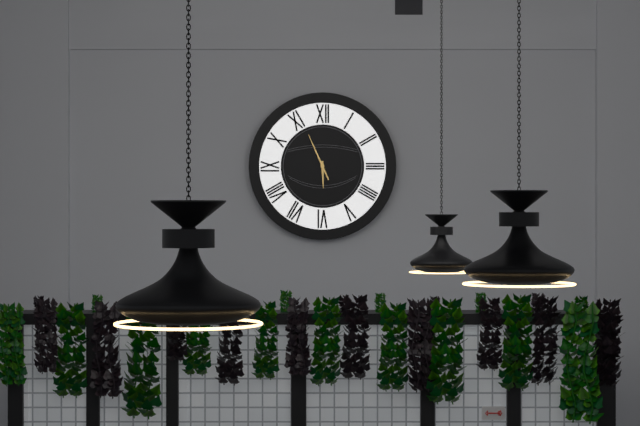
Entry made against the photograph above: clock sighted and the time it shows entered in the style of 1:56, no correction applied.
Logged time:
5:56
